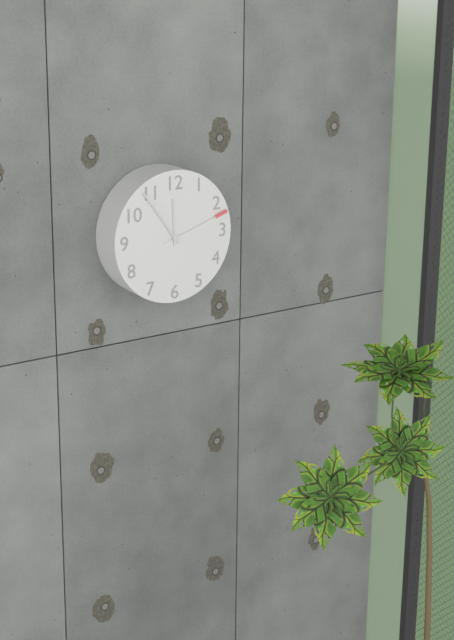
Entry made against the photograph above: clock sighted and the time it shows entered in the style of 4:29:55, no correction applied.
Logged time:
11:54:12
